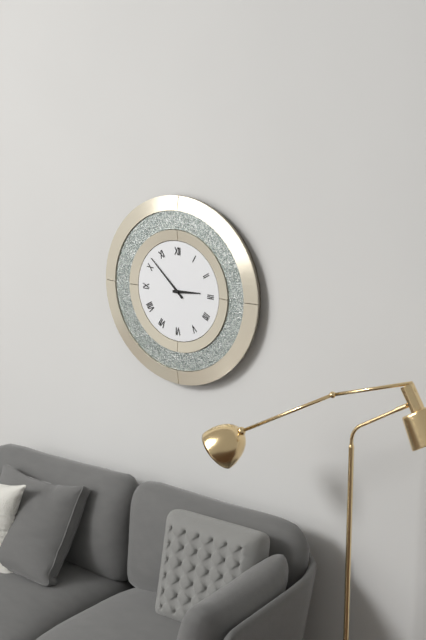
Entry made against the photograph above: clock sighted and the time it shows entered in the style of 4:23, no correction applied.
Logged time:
2:52
